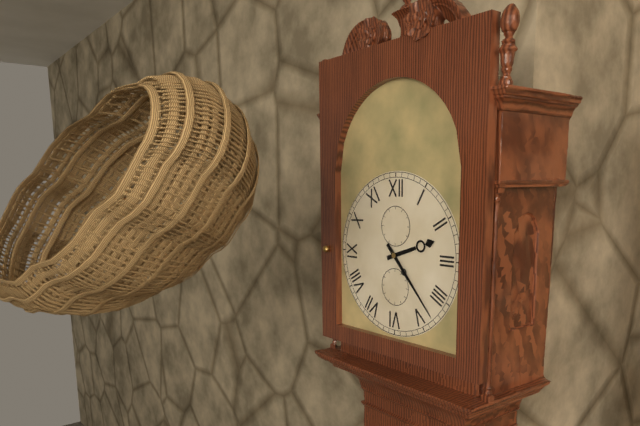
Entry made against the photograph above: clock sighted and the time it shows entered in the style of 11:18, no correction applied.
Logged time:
2:23
